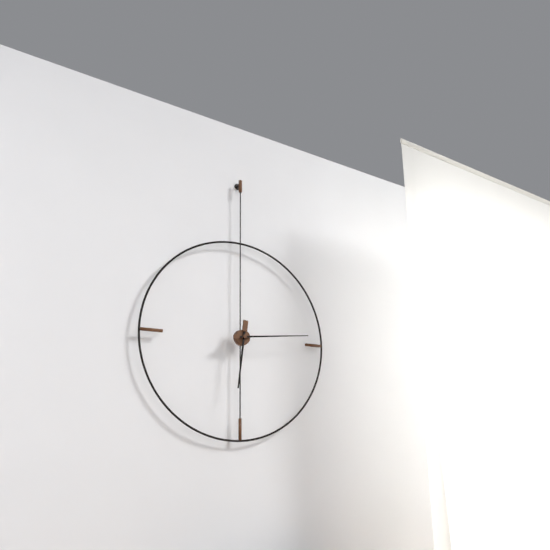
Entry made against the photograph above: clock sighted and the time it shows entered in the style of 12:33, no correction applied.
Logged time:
6:14
